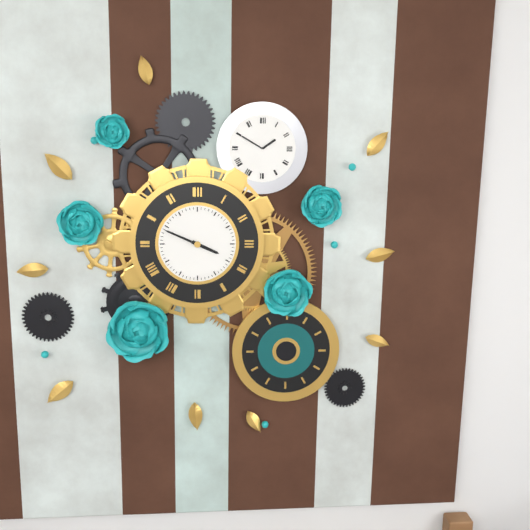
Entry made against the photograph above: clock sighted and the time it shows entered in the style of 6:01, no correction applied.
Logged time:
3:49
